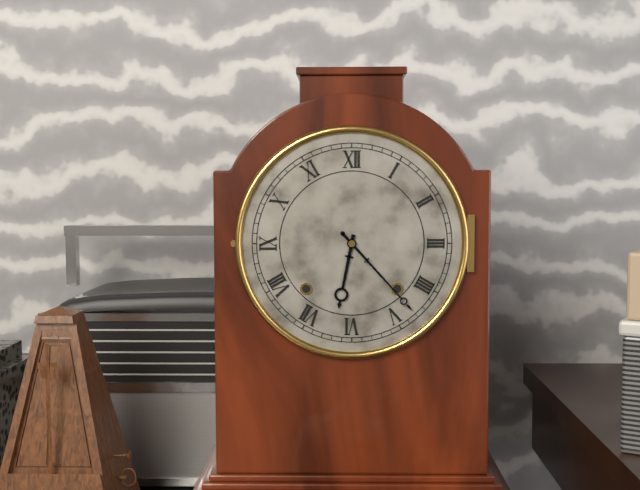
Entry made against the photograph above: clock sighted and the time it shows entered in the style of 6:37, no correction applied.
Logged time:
6:23
